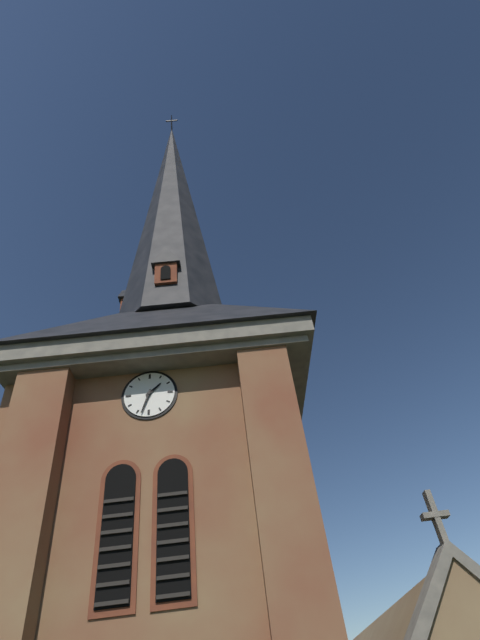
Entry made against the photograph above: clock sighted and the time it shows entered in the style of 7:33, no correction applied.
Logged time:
1:33
